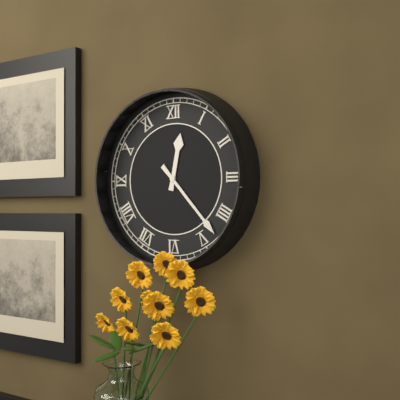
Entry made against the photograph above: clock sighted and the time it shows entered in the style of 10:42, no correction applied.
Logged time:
12:23
